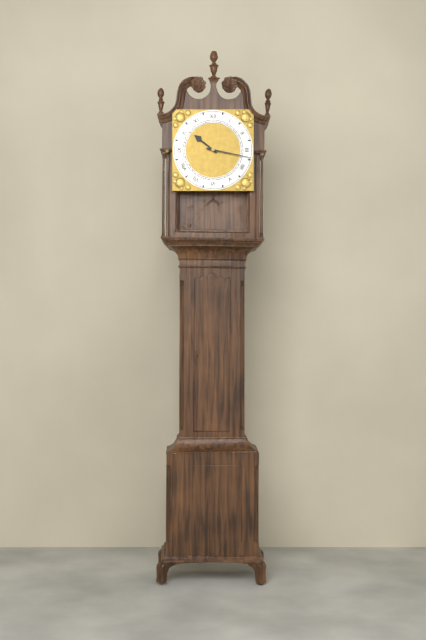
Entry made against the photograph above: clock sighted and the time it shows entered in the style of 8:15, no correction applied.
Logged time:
10:17
